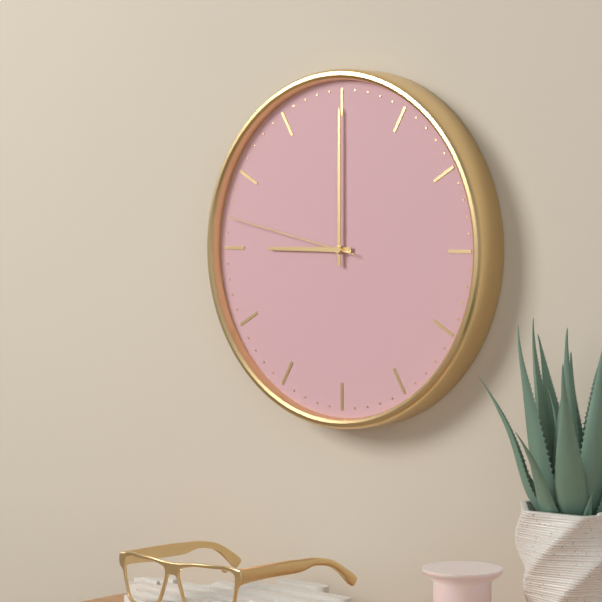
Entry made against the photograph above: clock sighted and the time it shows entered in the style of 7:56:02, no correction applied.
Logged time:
9:00:47
